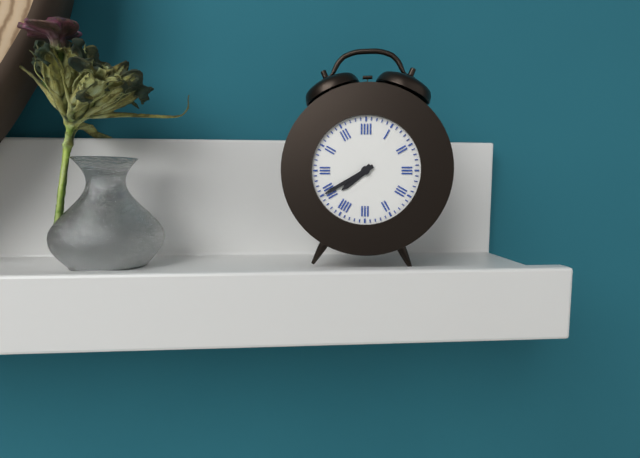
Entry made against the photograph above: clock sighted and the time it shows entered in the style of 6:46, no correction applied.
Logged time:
7:40
